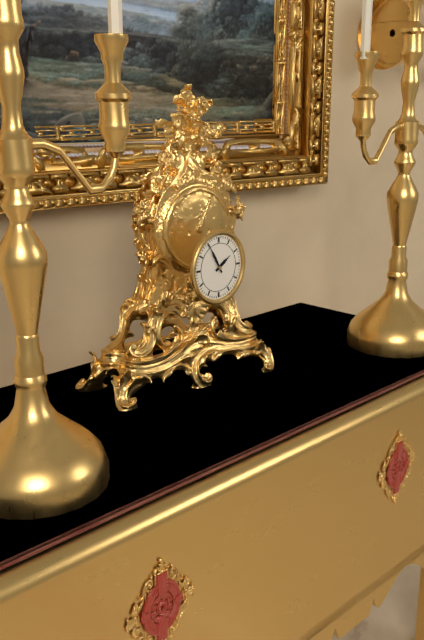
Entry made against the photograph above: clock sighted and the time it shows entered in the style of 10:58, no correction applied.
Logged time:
1:55
